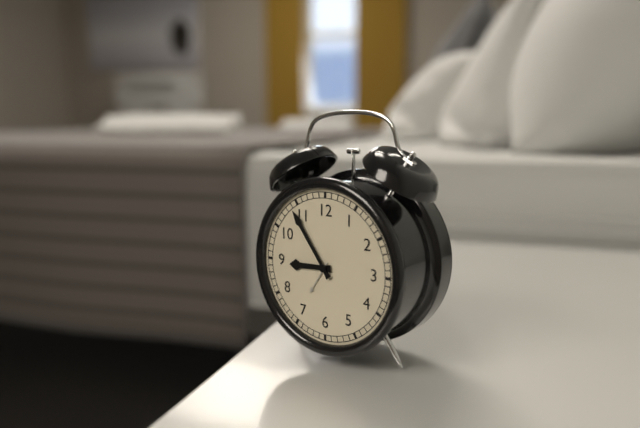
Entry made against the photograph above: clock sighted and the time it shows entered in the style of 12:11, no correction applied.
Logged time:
8:54
